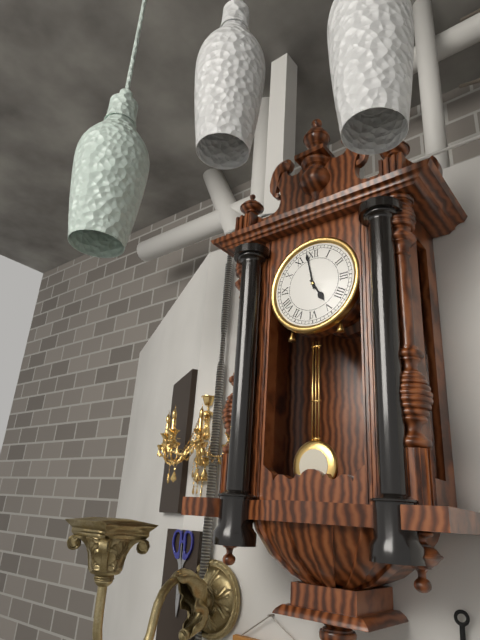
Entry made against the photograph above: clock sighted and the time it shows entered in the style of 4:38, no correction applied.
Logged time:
4:58
